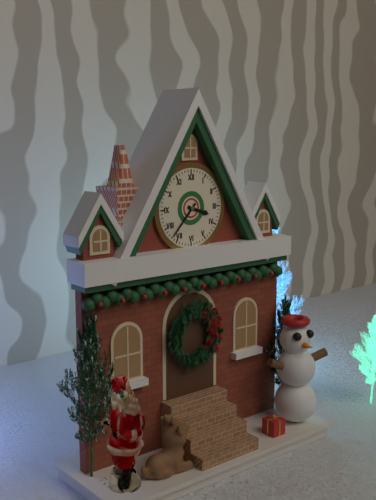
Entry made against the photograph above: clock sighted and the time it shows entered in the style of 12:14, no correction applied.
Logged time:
3:37
